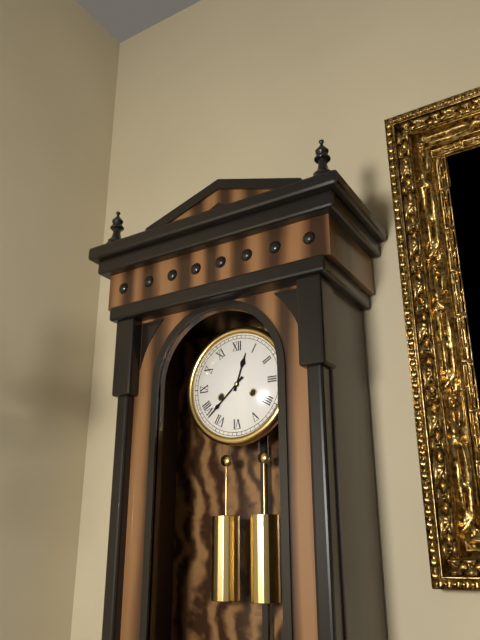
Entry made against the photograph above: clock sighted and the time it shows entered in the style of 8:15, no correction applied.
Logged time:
12:38
